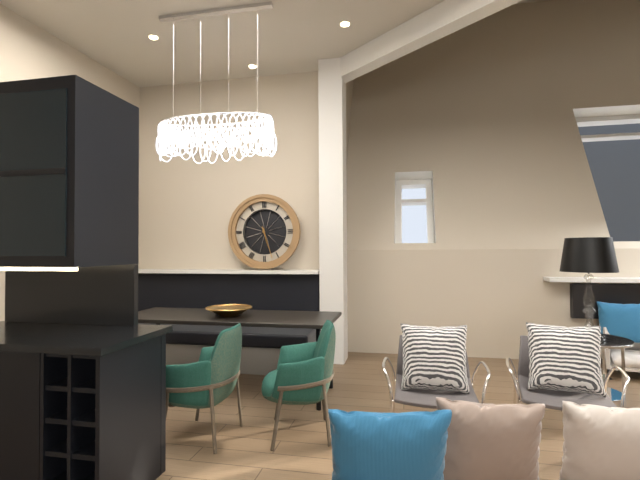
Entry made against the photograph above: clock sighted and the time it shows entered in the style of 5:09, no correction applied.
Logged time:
5:27
